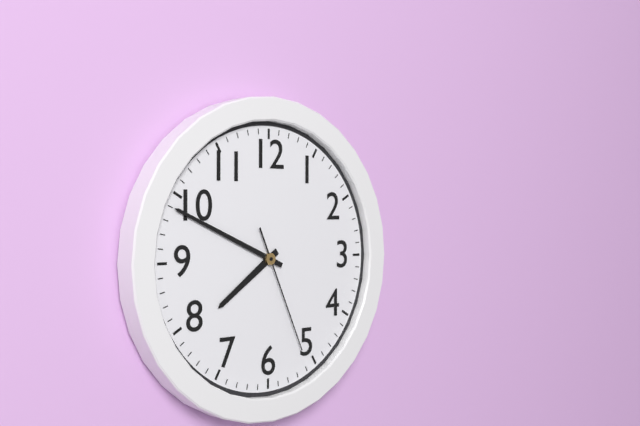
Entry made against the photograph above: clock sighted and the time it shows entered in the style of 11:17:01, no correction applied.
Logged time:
7:49:26
